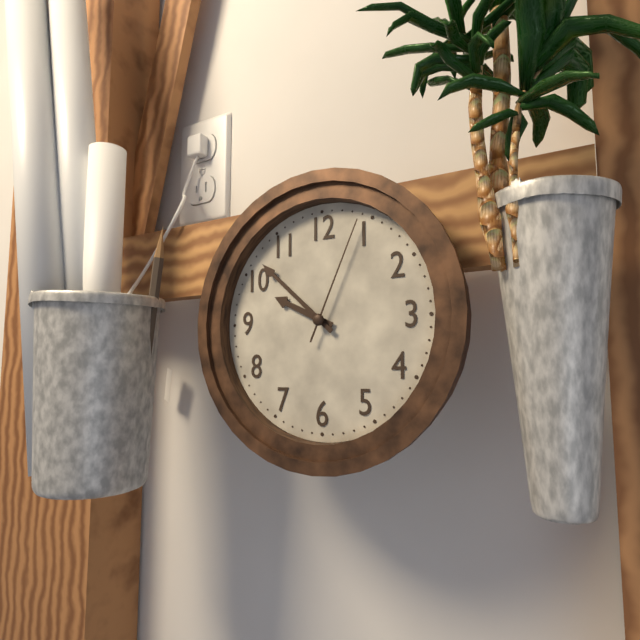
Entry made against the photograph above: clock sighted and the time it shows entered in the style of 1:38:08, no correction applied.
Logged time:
9:52:04
